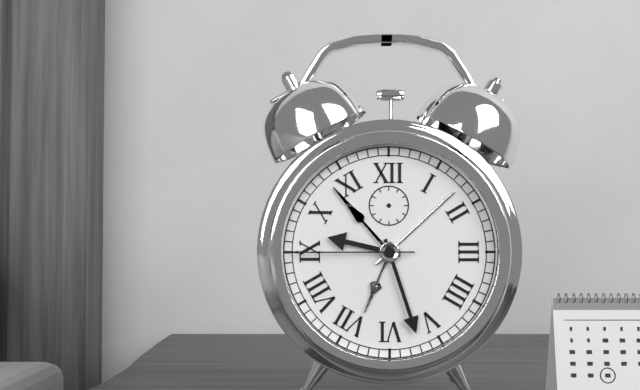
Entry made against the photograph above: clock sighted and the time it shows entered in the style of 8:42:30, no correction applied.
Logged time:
9:27:45
